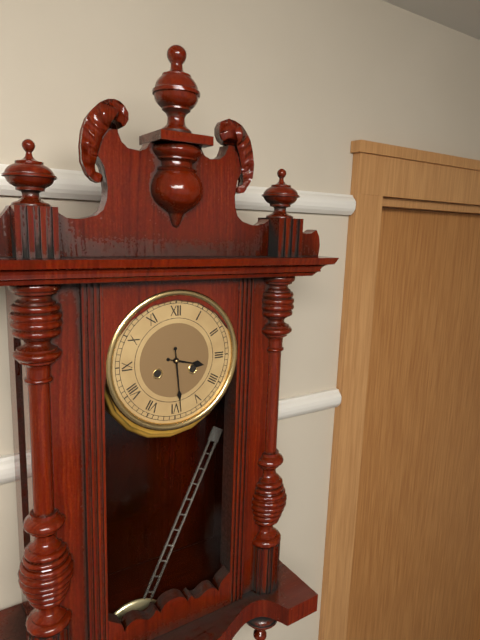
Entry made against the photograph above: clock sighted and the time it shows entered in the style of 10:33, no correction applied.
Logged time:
3:29
